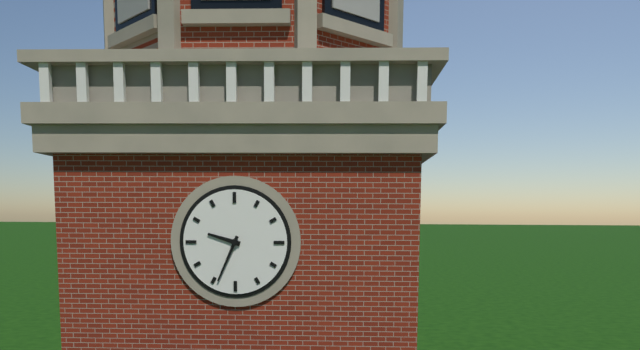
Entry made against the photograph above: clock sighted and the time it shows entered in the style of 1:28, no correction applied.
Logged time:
9:34
